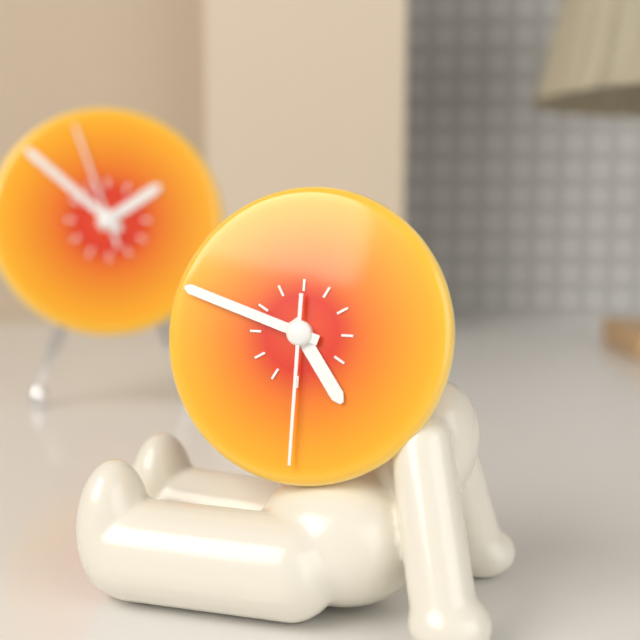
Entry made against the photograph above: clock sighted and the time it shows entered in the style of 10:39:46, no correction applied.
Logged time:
4:48:30
